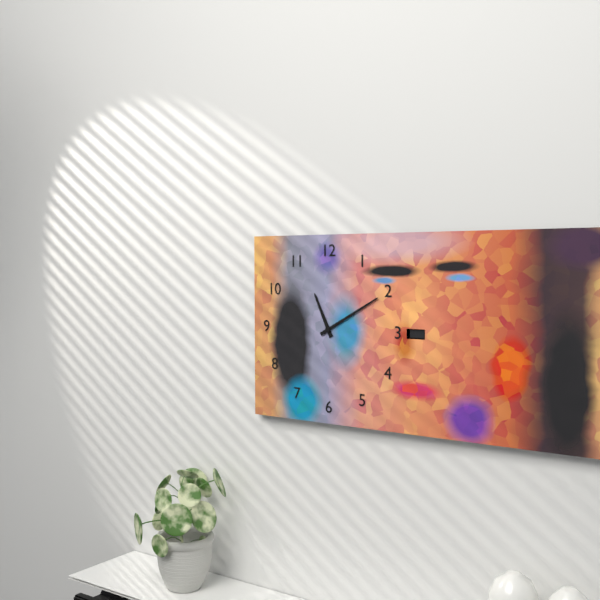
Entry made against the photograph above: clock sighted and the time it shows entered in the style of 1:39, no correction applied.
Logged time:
11:10
